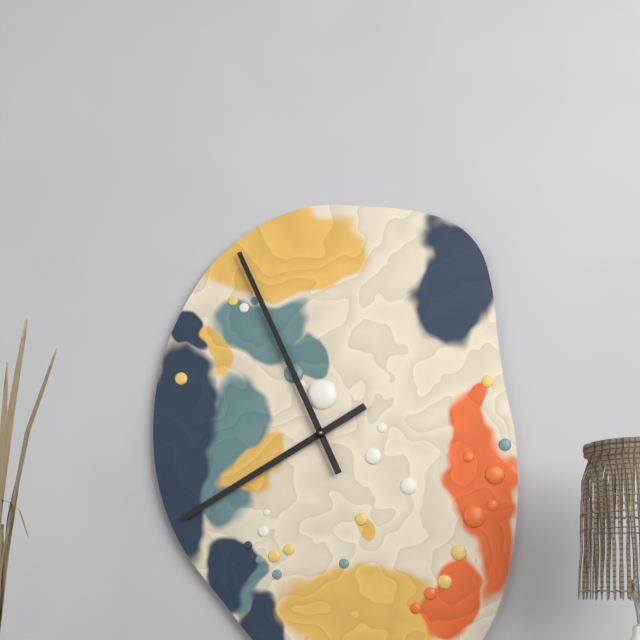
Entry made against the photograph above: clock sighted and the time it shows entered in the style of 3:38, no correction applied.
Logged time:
7:56
